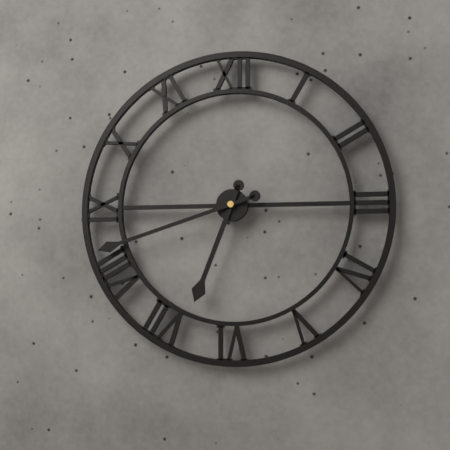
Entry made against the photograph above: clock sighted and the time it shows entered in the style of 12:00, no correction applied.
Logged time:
6:42
